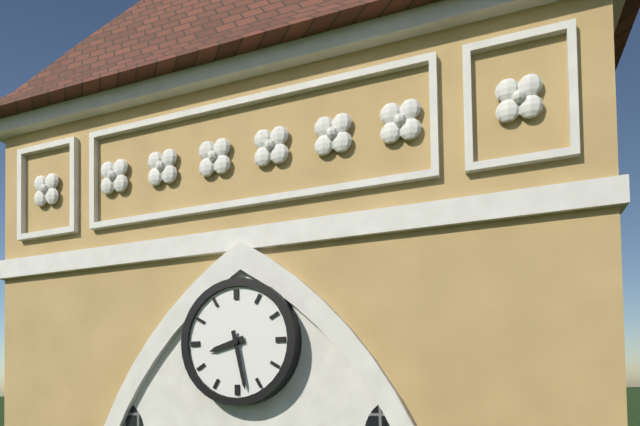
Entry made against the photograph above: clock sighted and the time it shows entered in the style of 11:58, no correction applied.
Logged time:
8:28
